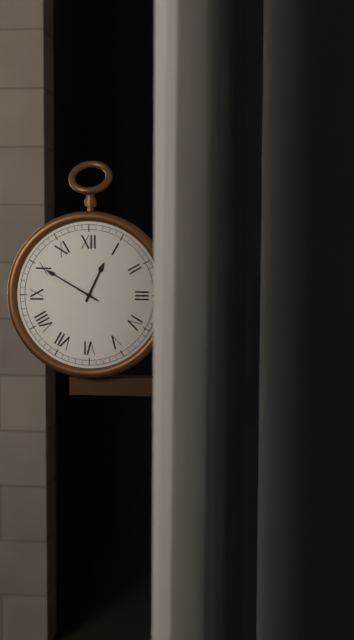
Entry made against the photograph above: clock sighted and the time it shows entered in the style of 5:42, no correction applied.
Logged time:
12:50
